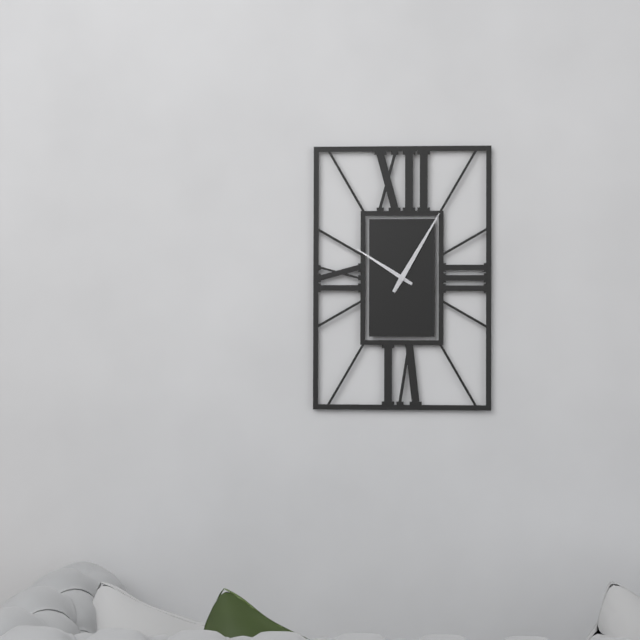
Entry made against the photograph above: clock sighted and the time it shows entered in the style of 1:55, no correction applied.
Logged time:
10:05
